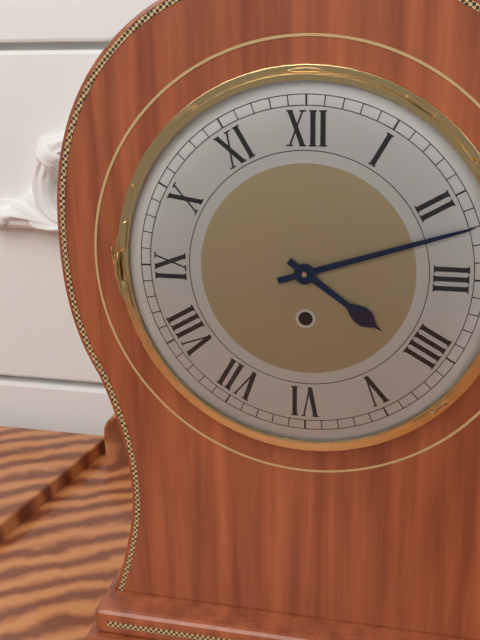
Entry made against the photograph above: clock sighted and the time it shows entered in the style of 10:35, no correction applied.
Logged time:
4:12
